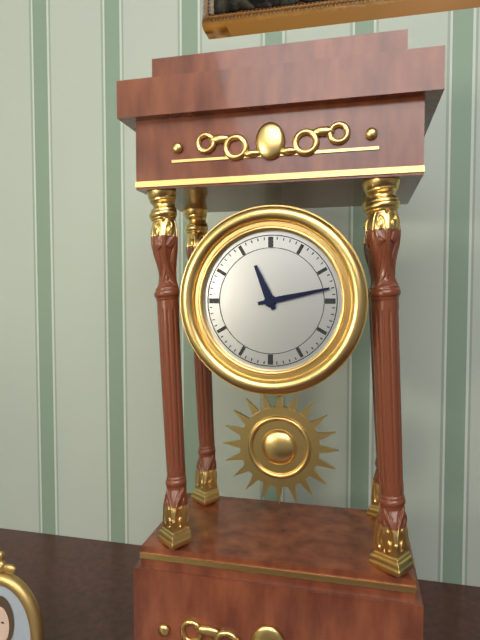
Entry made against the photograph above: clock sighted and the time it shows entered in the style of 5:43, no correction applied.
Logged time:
11:13
